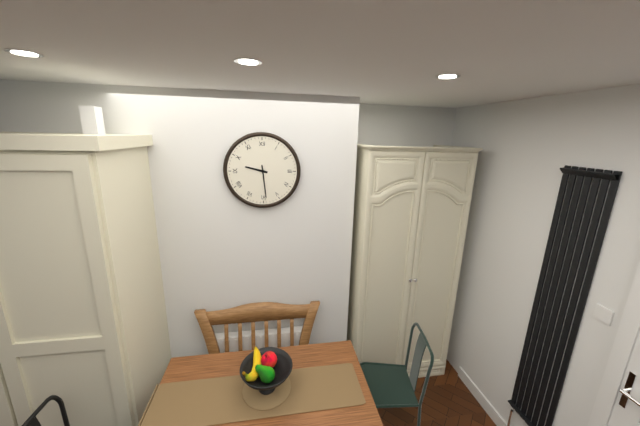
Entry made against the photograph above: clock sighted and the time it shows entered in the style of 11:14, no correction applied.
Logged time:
9:29
